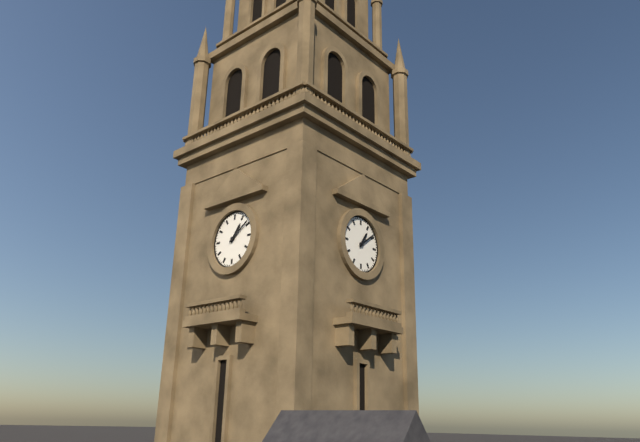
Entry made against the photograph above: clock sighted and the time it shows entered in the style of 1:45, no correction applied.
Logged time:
1:09
